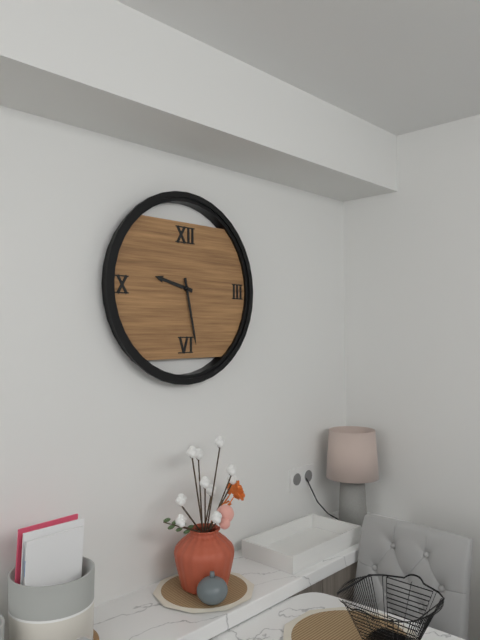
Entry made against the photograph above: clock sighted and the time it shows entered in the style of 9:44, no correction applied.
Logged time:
9:28
